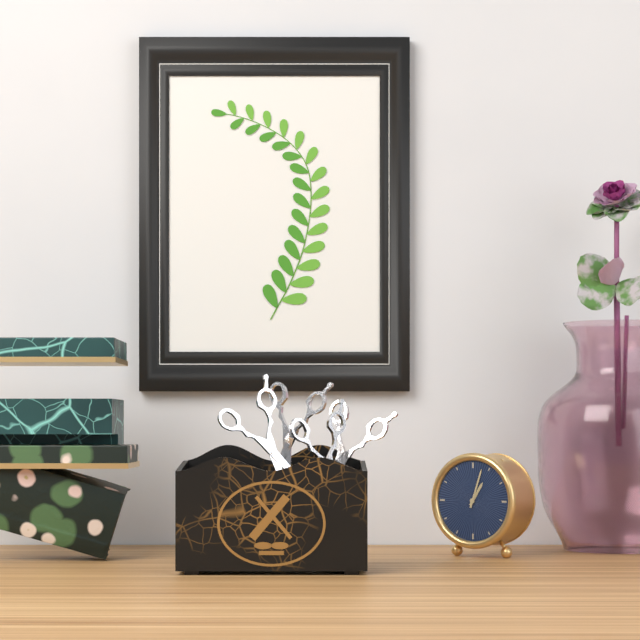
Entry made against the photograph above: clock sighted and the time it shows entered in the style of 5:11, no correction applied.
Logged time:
1:03
